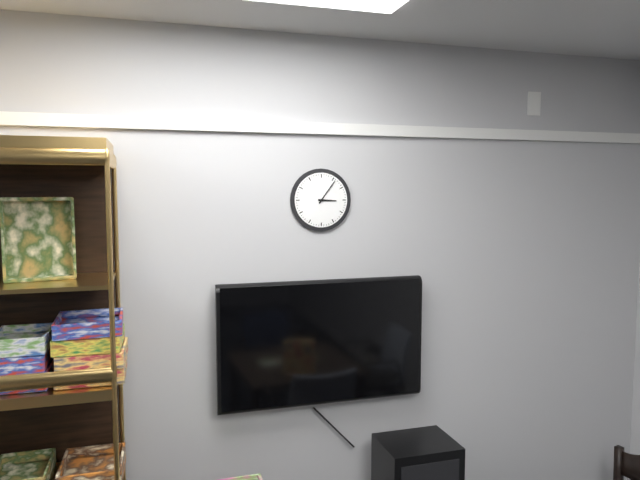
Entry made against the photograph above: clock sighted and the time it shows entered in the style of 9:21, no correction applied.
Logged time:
3:06
